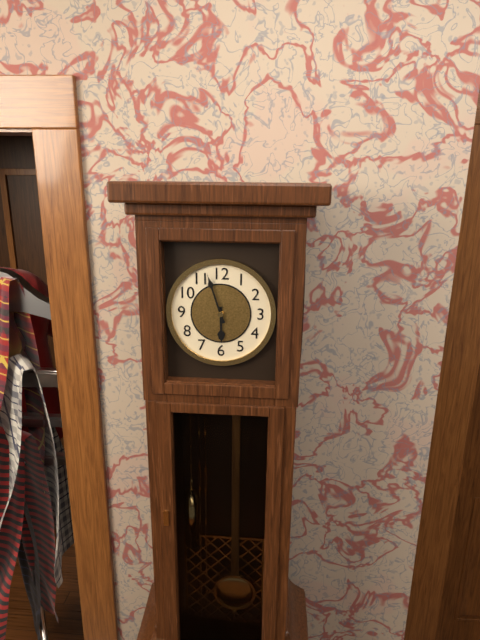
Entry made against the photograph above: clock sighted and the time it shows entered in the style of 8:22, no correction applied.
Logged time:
5:57
